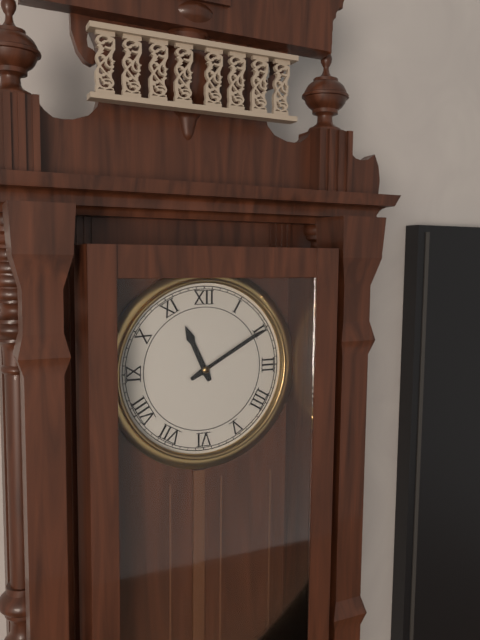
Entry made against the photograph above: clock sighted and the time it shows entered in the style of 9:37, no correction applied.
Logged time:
11:10
